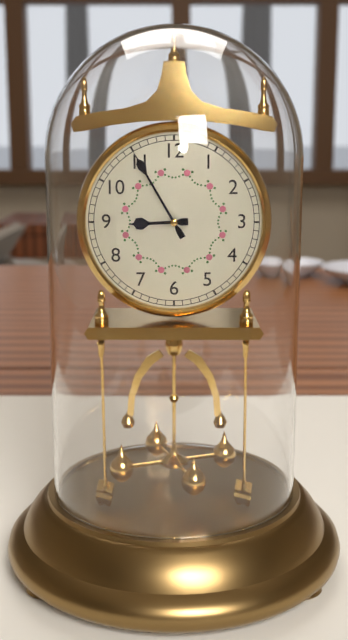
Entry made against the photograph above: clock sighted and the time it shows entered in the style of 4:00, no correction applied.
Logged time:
8:55
